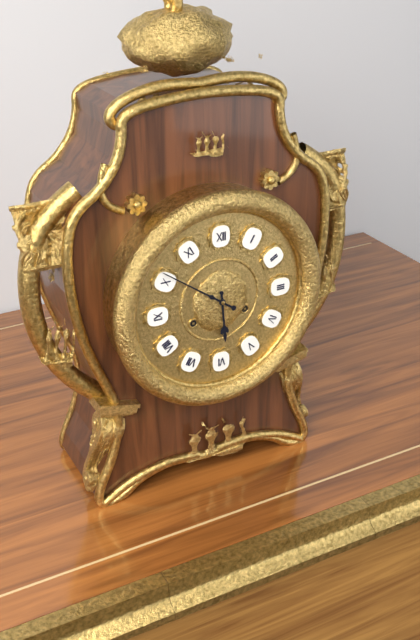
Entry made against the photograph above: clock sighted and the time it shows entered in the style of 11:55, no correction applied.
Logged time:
5:51
